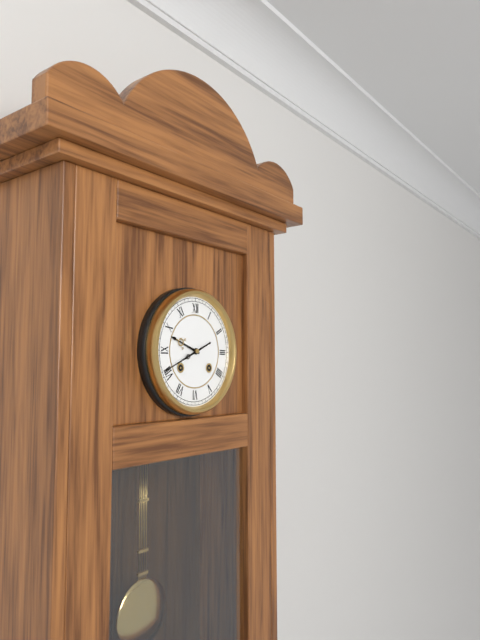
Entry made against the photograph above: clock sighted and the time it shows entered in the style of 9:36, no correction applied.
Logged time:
9:41
